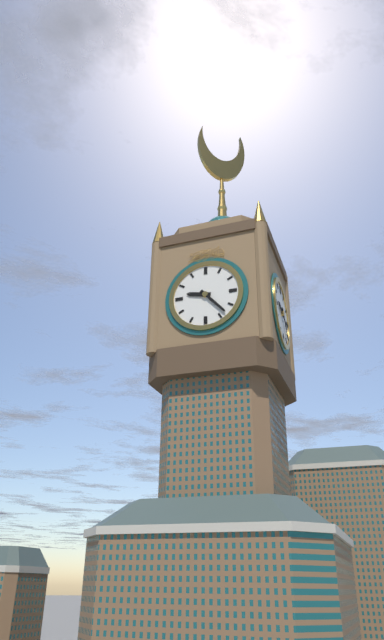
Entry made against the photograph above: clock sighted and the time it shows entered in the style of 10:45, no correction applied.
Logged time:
9:23
